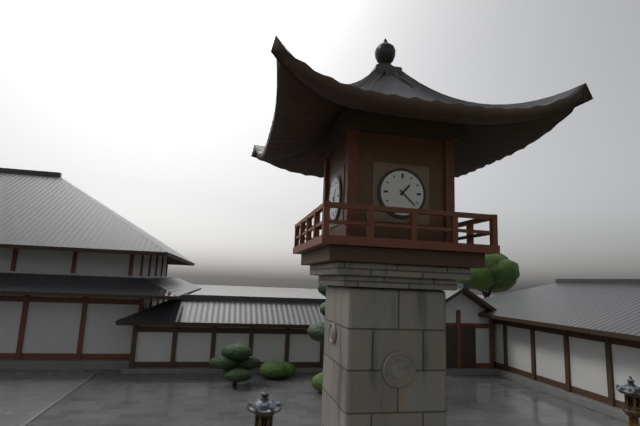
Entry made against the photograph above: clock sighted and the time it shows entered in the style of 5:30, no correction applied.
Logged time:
1:22
